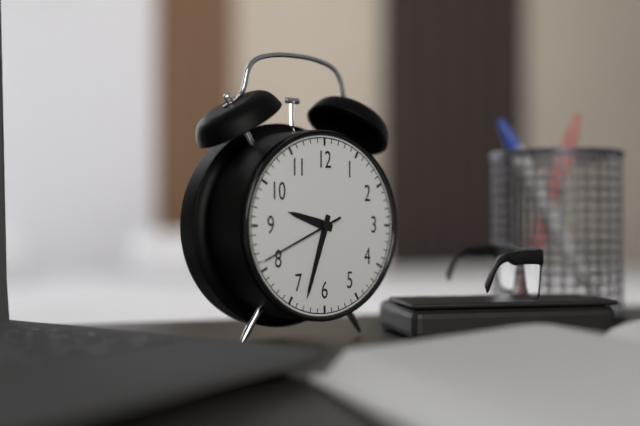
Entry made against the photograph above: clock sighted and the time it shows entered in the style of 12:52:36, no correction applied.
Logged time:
9:33:41
